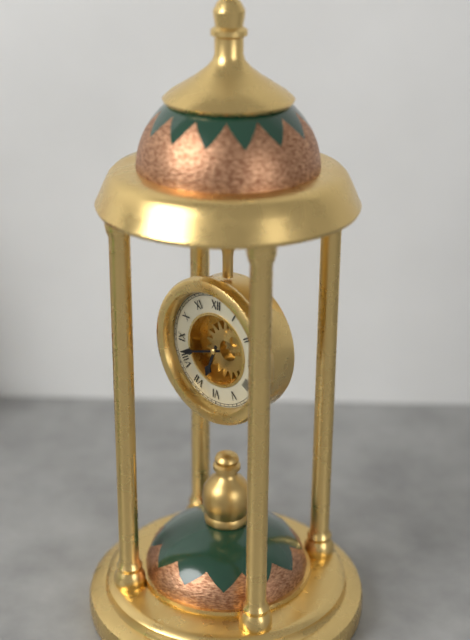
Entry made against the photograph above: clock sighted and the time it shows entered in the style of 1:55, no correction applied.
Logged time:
6:42
